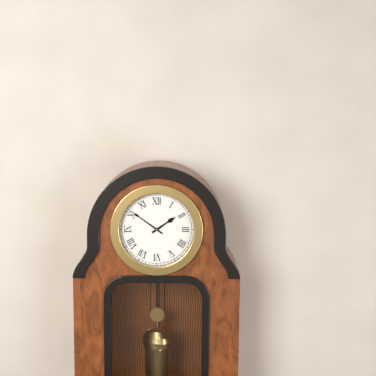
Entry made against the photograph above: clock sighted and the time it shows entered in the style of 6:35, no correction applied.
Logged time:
1:51
